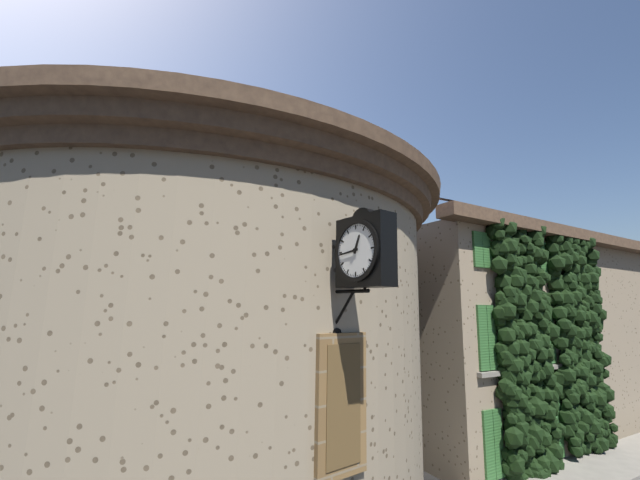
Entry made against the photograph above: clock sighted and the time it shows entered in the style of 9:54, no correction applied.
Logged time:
12:44
